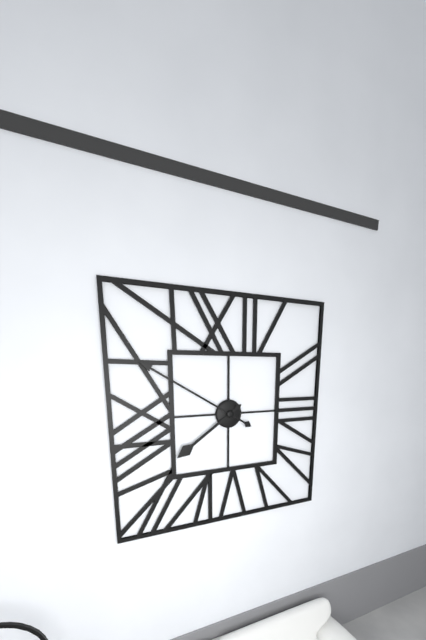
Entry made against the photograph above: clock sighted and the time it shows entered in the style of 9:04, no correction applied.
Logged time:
7:50
